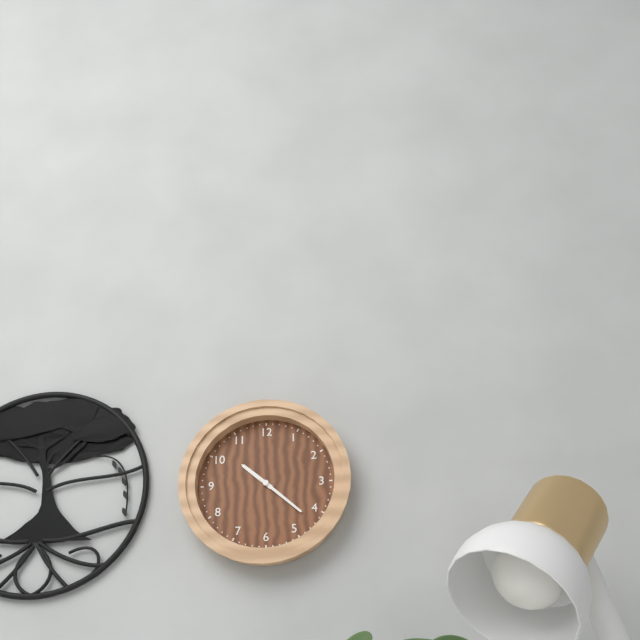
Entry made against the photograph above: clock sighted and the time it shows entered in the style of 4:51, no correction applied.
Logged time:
10:22
